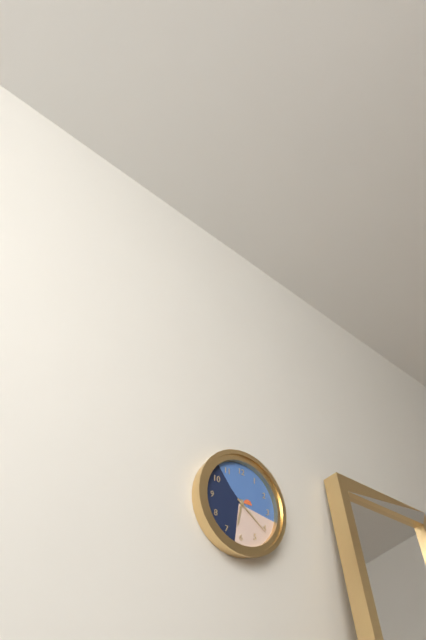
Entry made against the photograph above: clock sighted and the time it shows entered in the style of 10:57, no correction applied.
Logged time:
6:21
